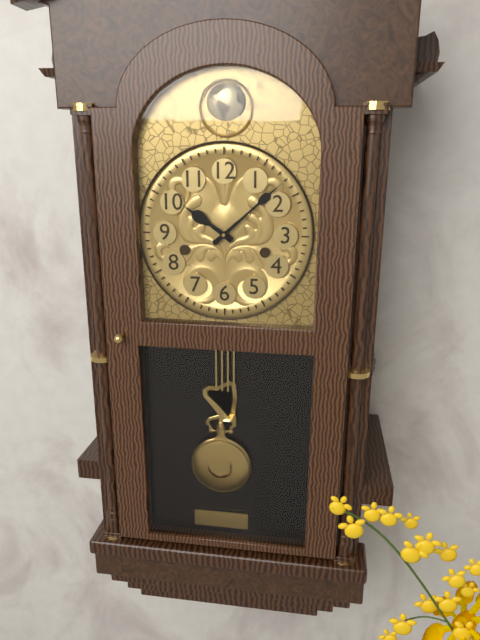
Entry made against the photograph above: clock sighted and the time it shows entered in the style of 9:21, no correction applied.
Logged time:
10:08
